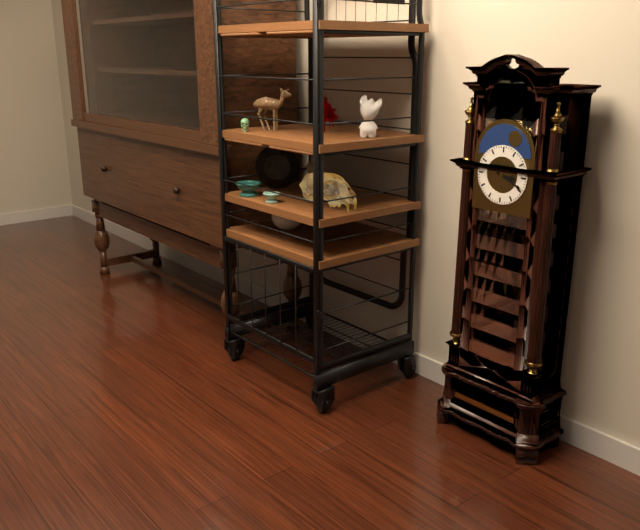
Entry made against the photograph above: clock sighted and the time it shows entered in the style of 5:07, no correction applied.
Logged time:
3:19
